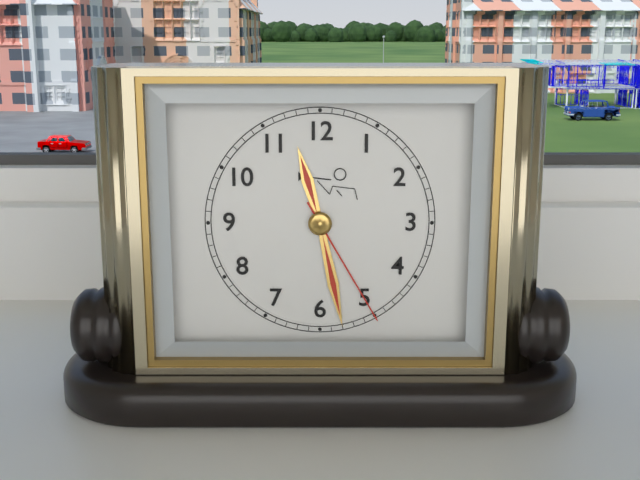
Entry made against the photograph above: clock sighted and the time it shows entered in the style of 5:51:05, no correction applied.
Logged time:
11:28:25
